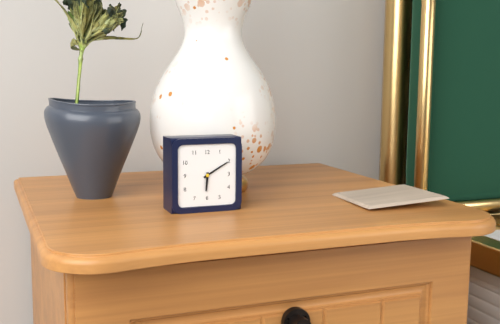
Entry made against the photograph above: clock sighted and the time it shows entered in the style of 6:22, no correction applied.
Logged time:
6:10
